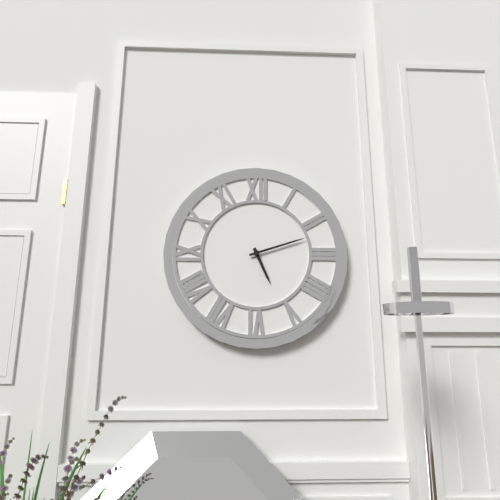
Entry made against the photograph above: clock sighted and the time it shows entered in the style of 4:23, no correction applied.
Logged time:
5:12
